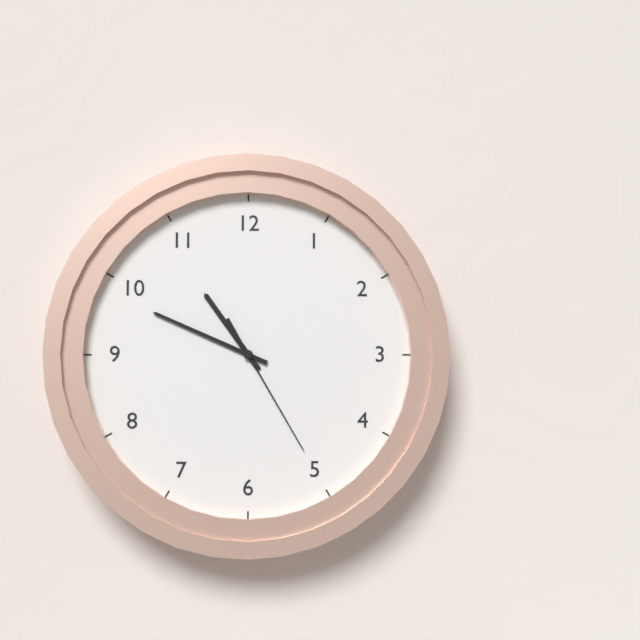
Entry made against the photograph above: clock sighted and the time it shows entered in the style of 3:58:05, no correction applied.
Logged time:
10:49:25
